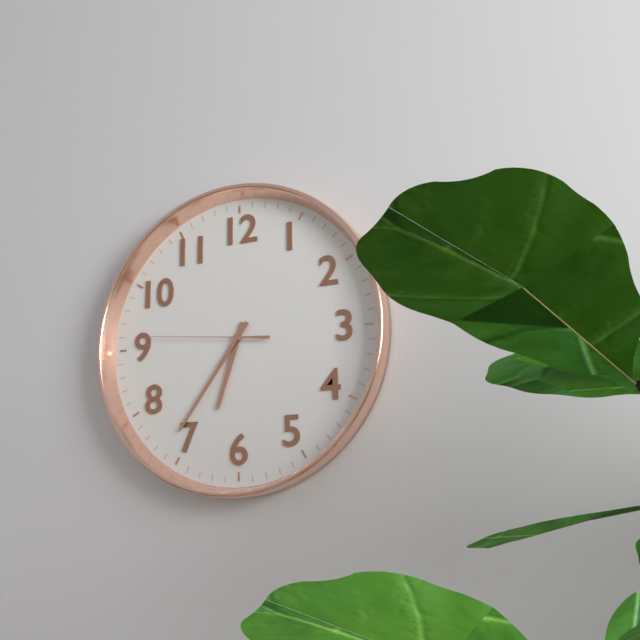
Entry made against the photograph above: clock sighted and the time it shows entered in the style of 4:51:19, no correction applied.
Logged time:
6:36:46
